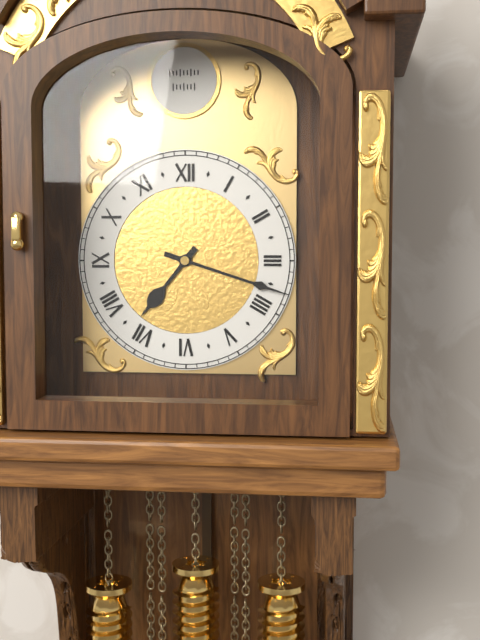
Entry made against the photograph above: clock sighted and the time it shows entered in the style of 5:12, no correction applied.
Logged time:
7:18
